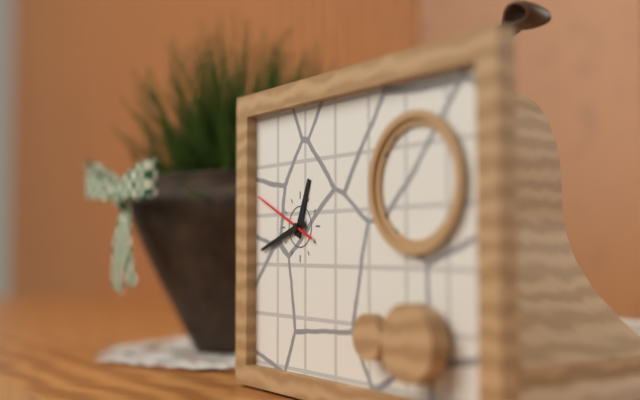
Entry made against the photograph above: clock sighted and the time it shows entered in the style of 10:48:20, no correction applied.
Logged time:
12:42:49
